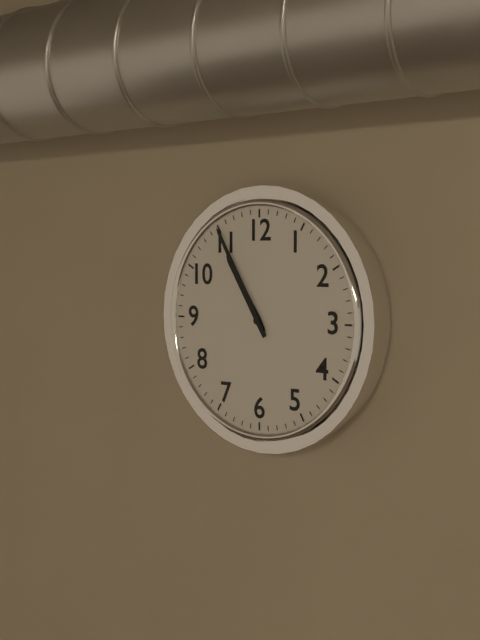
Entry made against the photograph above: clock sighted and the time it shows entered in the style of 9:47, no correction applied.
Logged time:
10:55
